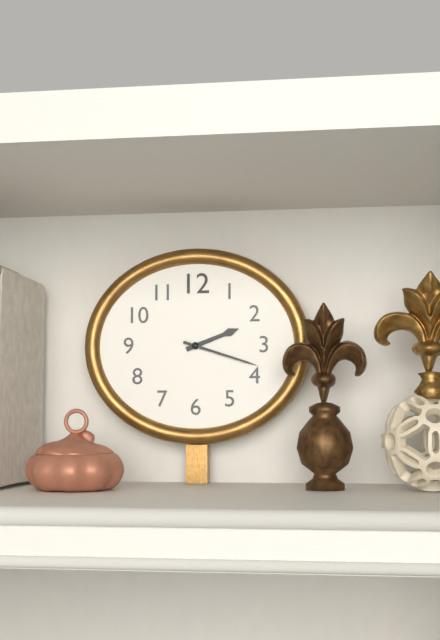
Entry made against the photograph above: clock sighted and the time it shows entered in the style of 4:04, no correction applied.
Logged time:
2:18
